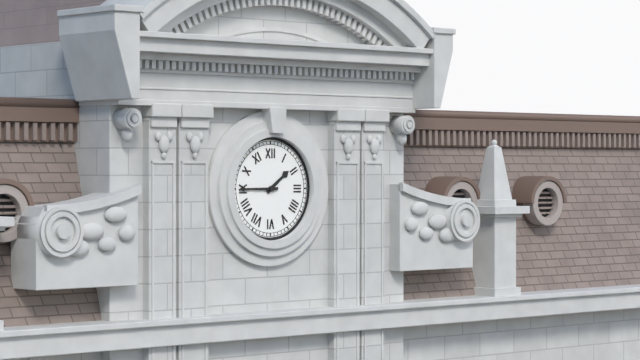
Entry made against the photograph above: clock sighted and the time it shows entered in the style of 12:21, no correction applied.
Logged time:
1:45
